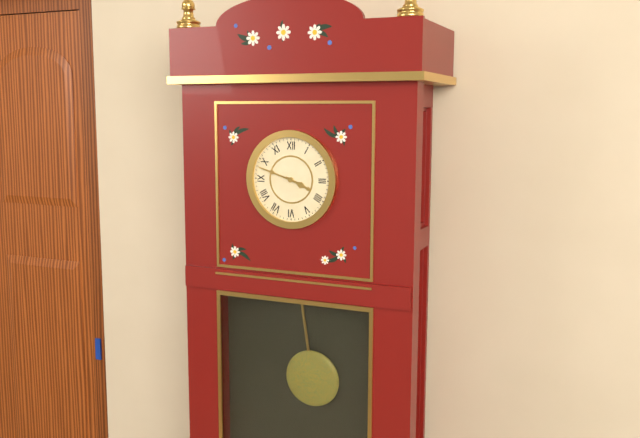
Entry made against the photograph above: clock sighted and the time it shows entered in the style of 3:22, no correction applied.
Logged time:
3:48
